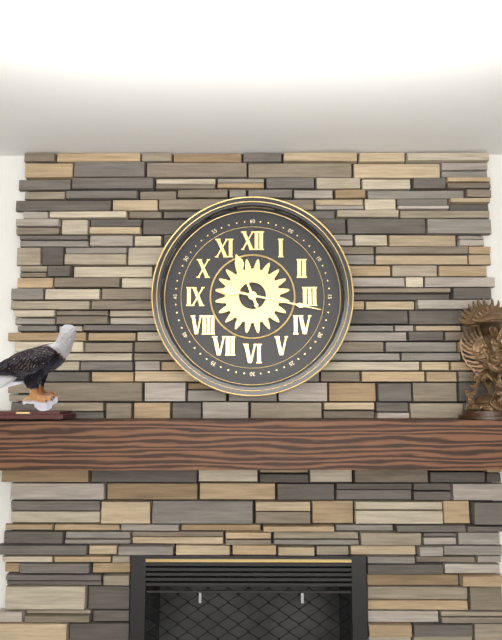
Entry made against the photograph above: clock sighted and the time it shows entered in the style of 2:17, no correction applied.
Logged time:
11:17
